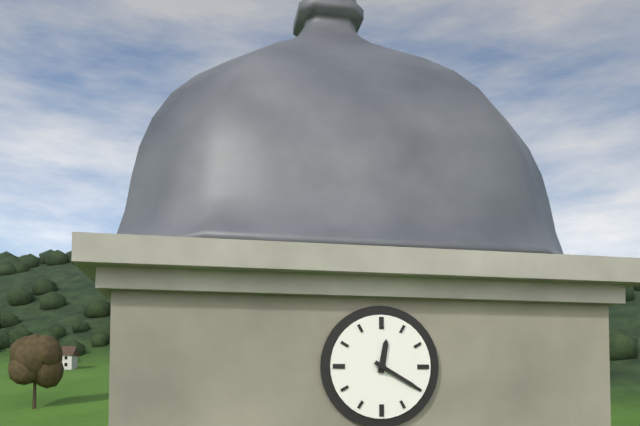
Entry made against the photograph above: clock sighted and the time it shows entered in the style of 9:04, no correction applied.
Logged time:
12:20
